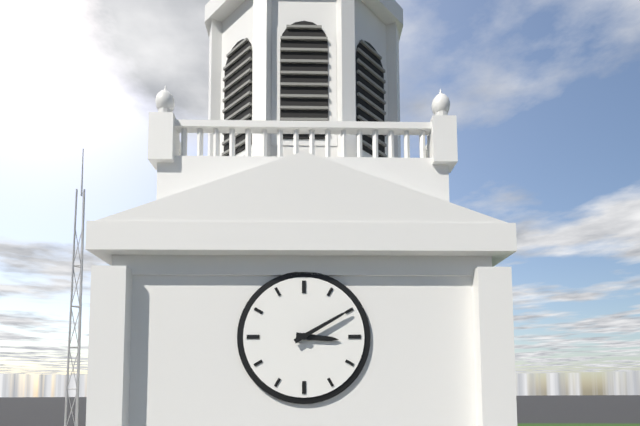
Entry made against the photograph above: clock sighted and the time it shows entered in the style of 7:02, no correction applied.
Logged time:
3:10
